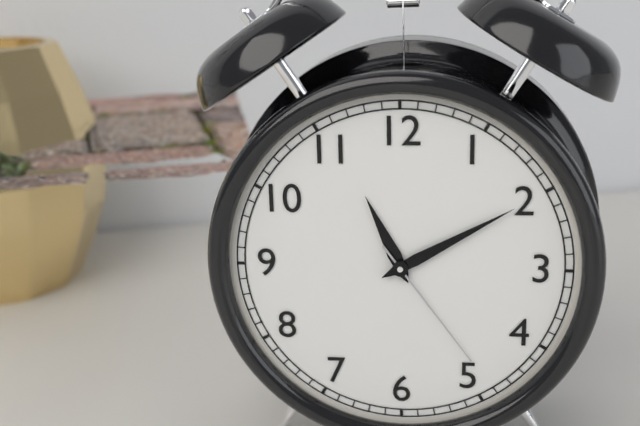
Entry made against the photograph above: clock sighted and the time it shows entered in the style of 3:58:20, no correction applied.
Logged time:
11:10:24
